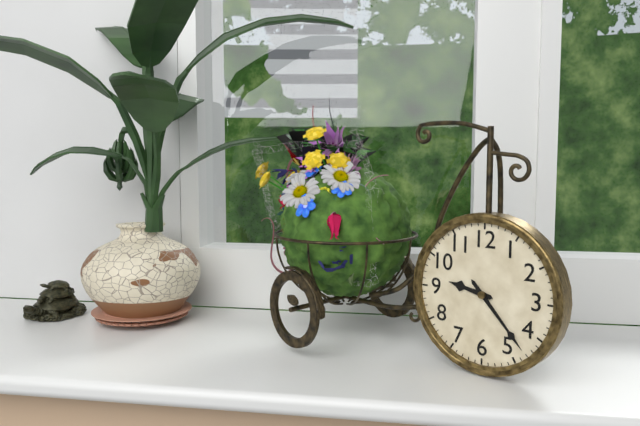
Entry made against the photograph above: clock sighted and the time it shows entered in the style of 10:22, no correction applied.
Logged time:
9:23
